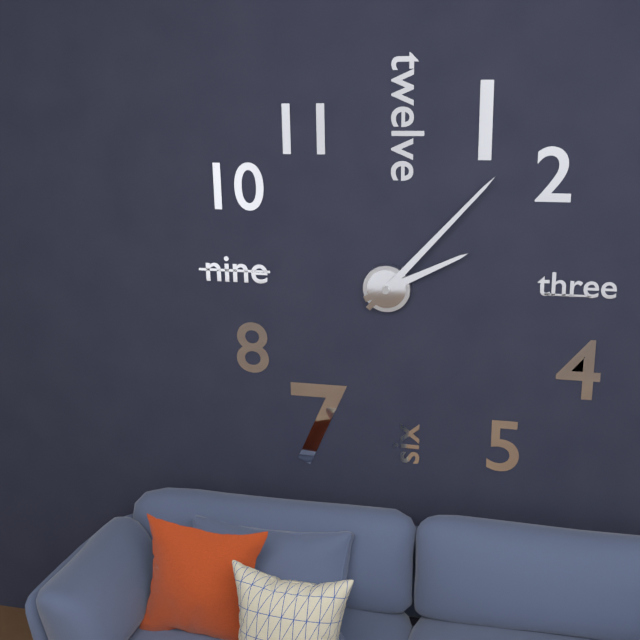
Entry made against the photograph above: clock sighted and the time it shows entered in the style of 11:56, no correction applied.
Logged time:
2:07
